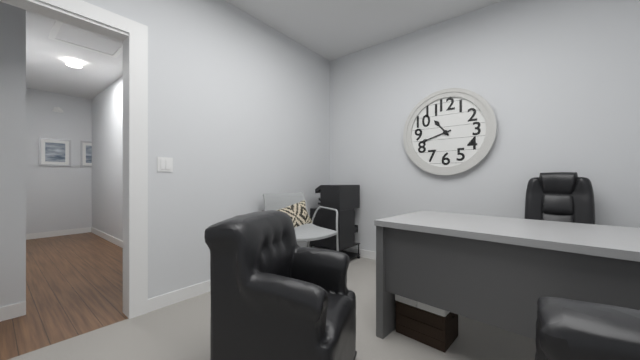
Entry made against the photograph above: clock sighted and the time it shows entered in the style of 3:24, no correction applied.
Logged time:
10:42
